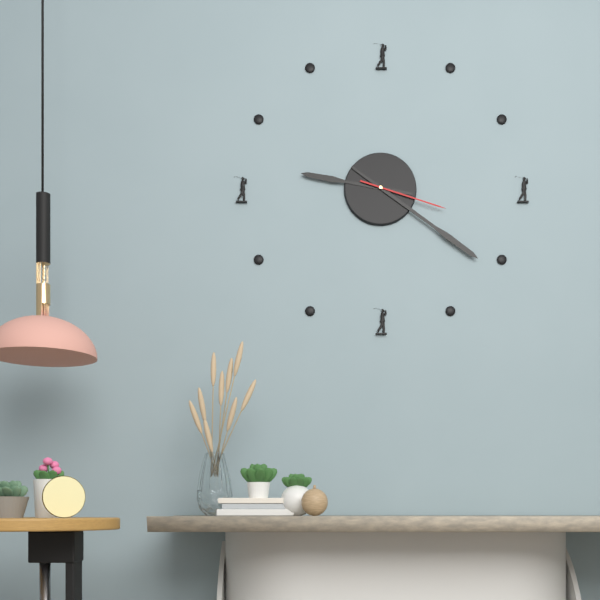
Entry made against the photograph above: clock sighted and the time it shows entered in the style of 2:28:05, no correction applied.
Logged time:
9:21:18
